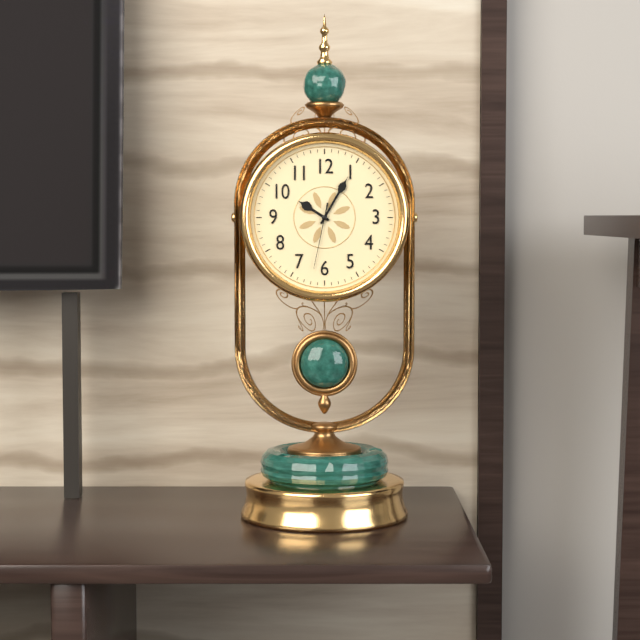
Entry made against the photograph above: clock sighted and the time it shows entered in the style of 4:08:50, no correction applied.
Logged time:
10:05:32
